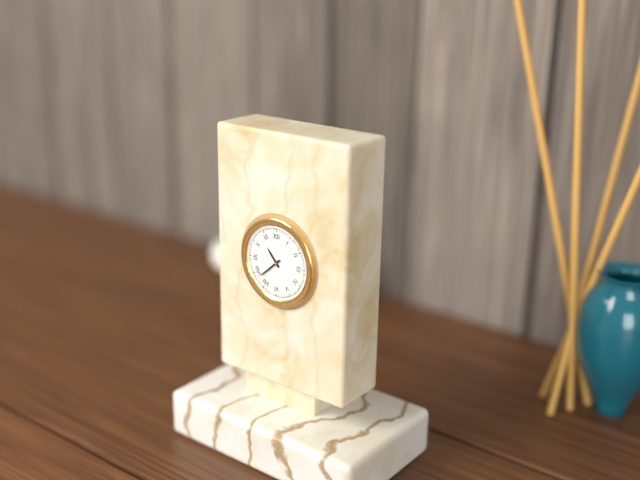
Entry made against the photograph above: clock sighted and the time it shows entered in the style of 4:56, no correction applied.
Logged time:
10:38
